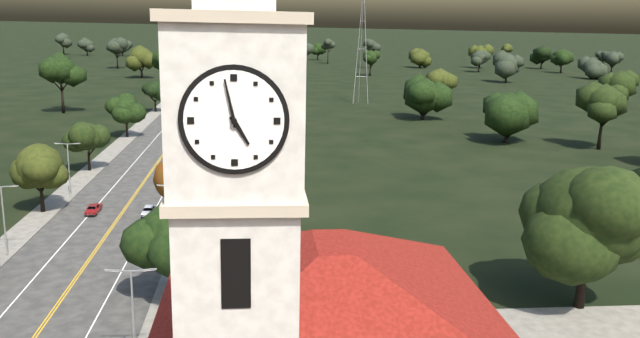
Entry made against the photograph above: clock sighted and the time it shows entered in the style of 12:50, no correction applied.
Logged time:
4:58
